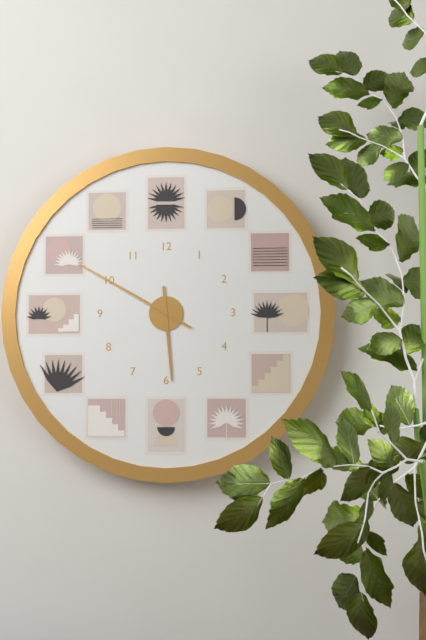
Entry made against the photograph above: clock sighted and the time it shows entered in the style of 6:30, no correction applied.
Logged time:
5:50
